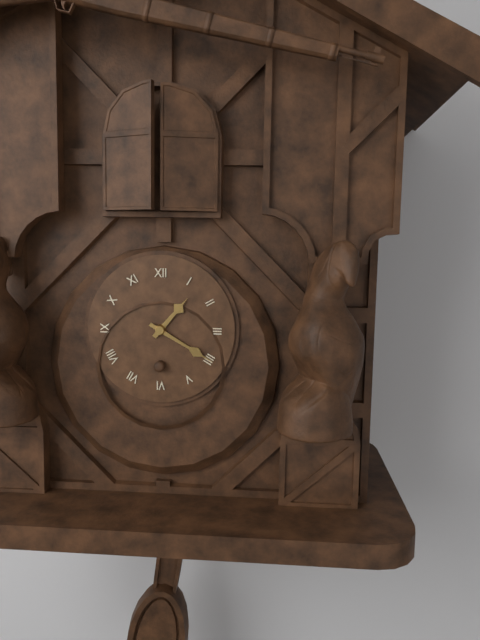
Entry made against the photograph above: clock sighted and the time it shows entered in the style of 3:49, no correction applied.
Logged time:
1:20
